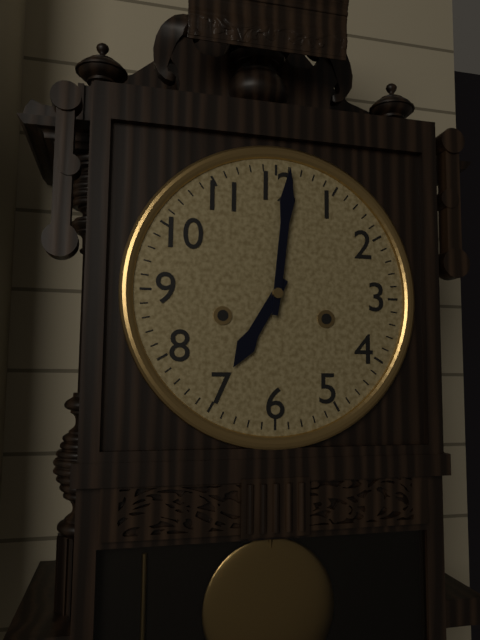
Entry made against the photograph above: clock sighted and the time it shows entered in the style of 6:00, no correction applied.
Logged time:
7:01
